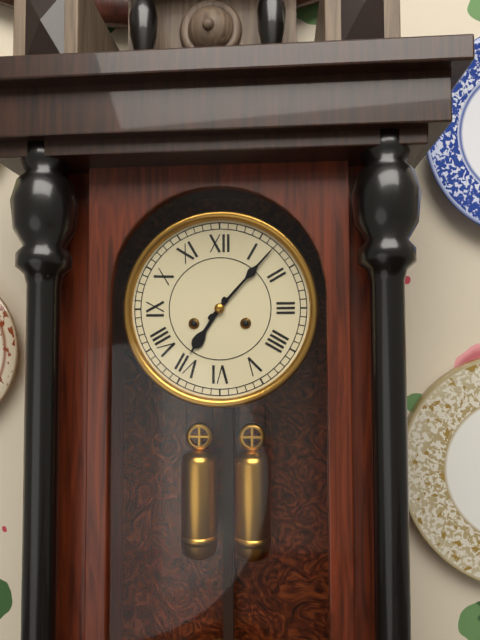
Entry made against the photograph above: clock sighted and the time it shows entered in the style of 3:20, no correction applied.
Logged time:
7:07
